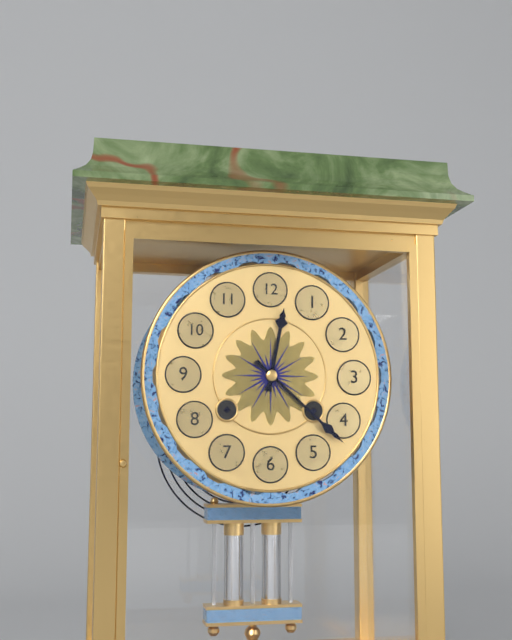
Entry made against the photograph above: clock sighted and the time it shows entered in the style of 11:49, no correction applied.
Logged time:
12:22
